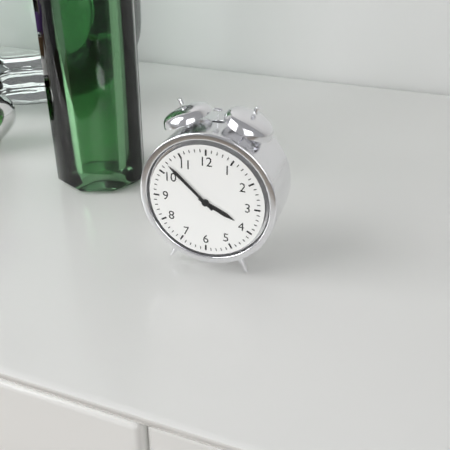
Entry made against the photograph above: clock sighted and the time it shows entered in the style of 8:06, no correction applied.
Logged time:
3:52
